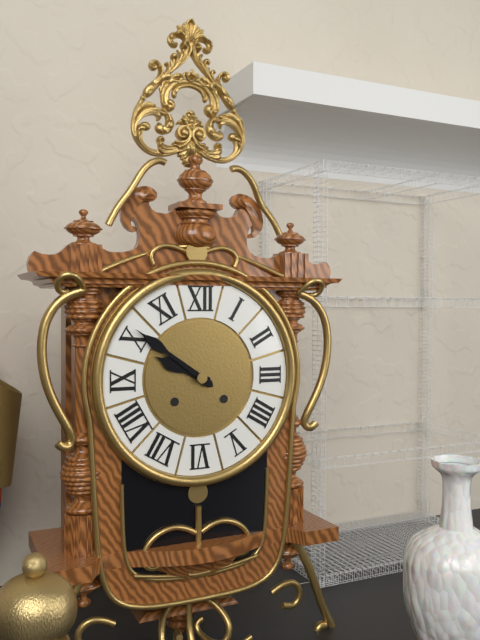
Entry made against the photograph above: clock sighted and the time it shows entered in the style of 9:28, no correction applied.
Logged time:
9:51
